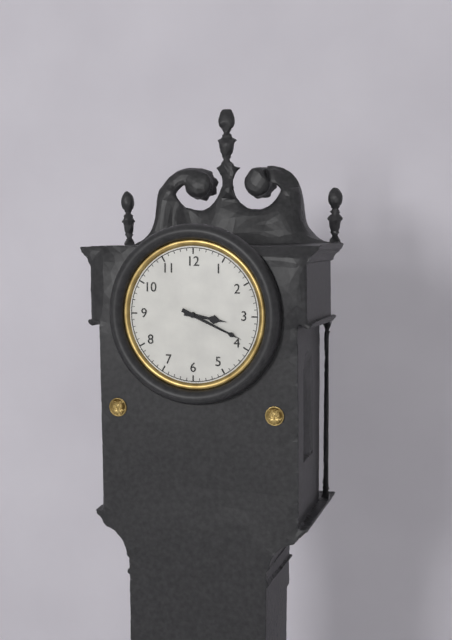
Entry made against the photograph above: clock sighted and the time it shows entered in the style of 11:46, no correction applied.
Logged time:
3:19
